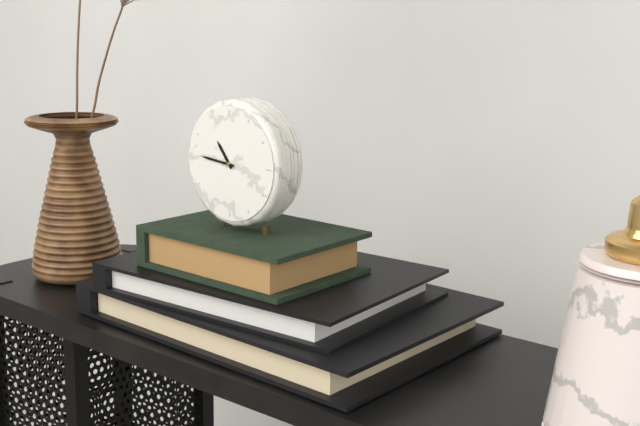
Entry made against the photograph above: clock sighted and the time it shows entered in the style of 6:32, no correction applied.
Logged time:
10:46
